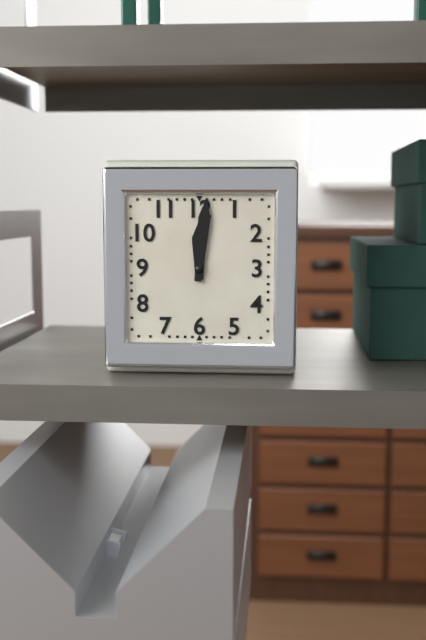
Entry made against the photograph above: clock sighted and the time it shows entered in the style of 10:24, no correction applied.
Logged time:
12:01
